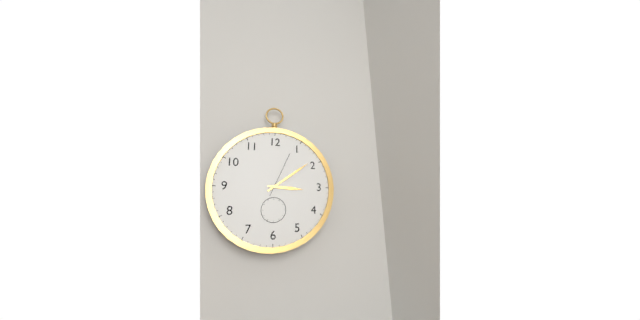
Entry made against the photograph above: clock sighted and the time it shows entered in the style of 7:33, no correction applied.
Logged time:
3:09
